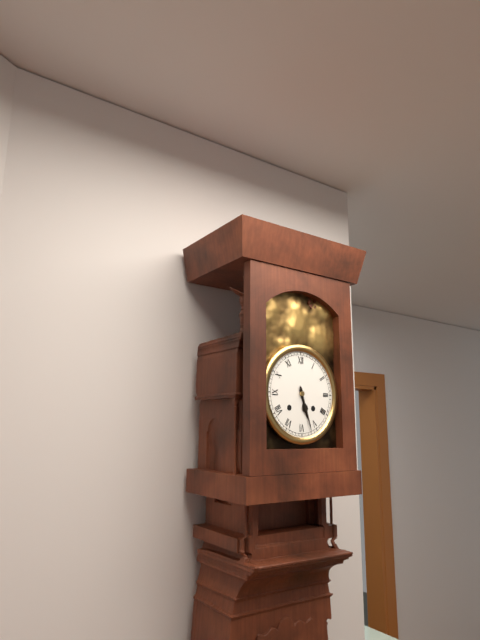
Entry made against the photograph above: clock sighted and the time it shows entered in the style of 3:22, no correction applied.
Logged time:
5:27
